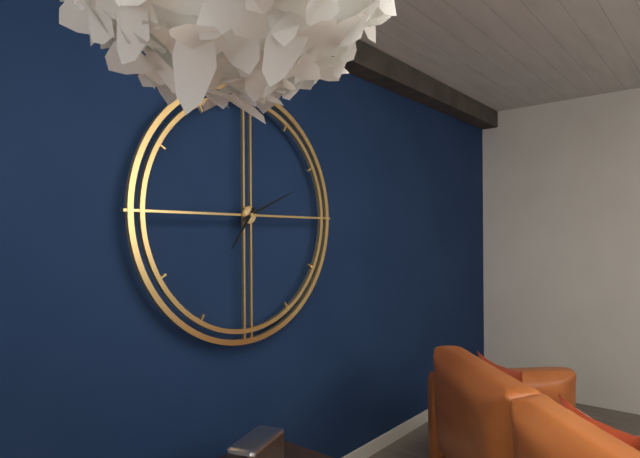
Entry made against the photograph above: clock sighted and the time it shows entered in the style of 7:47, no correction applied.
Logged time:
7:11
